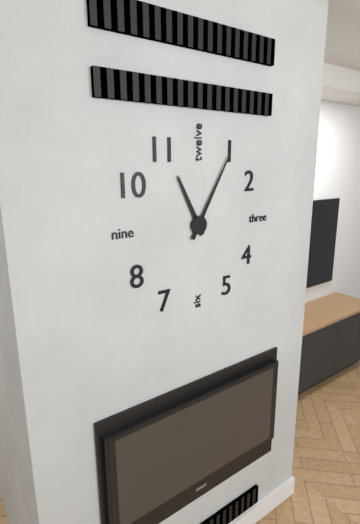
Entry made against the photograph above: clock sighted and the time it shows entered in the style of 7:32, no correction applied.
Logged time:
11:05
